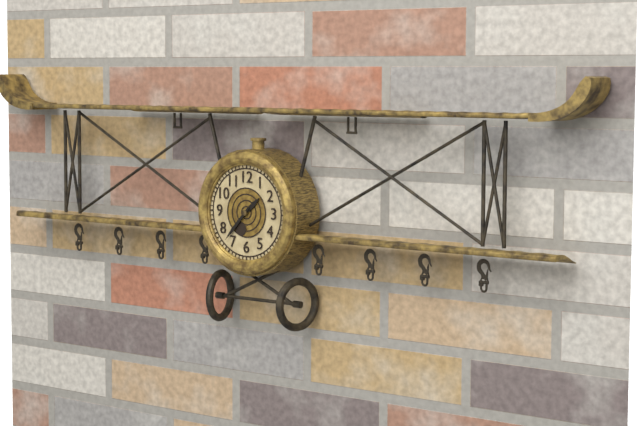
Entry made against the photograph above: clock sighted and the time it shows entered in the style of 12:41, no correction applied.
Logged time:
1:37
